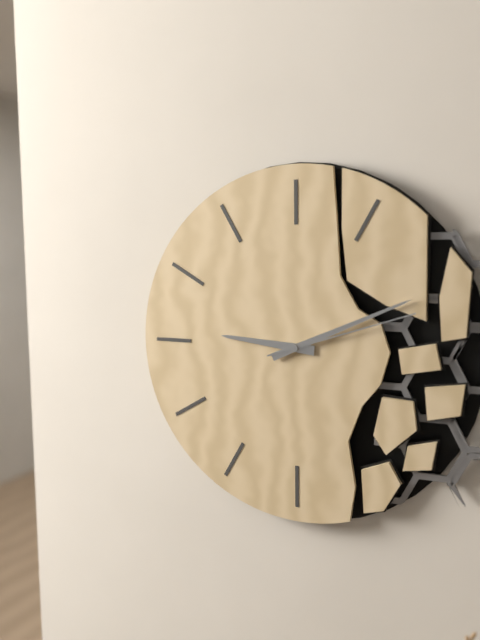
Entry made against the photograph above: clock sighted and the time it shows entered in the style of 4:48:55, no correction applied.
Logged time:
9:11:12
